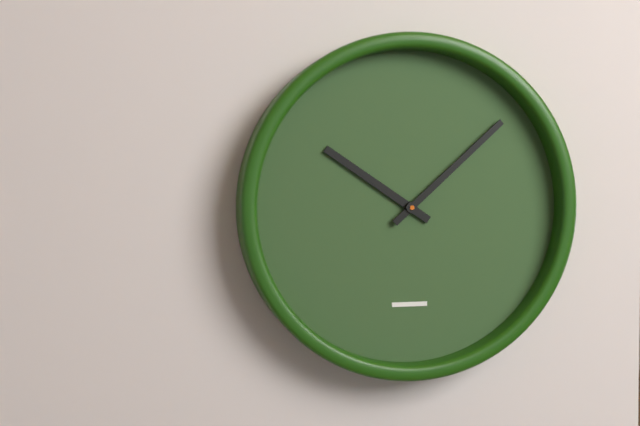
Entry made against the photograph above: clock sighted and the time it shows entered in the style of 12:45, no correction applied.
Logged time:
10:08
